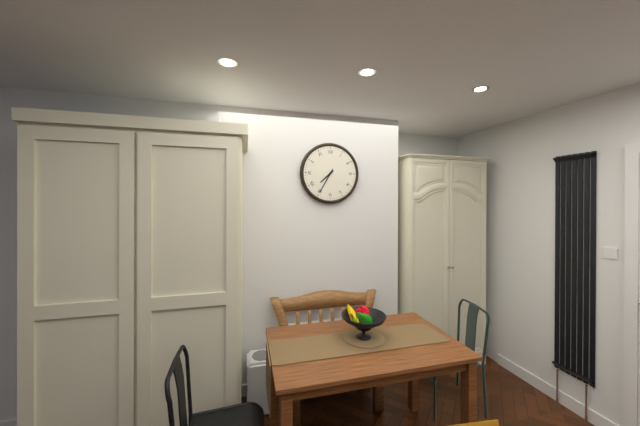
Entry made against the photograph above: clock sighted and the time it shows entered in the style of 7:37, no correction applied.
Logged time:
7:35
